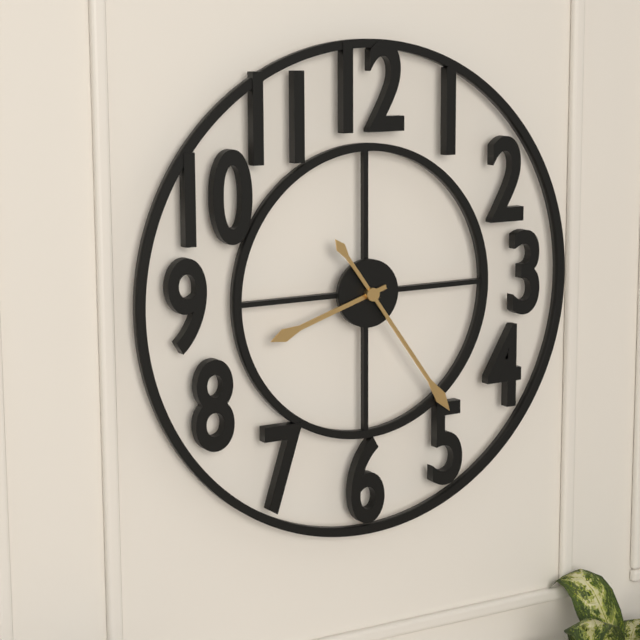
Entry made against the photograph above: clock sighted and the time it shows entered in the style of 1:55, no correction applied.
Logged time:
8:24
